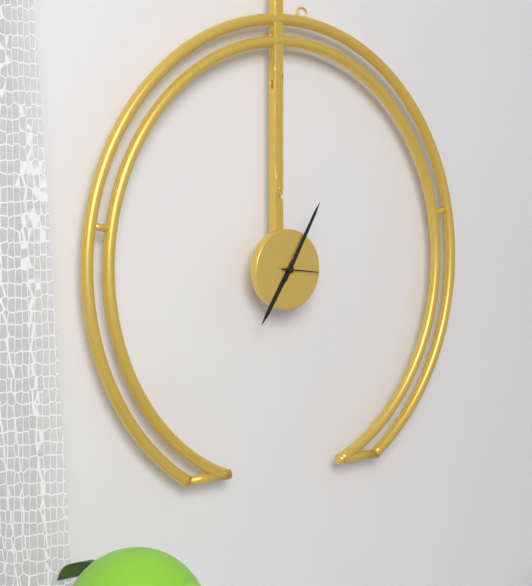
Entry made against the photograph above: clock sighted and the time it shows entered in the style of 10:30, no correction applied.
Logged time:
7:05
